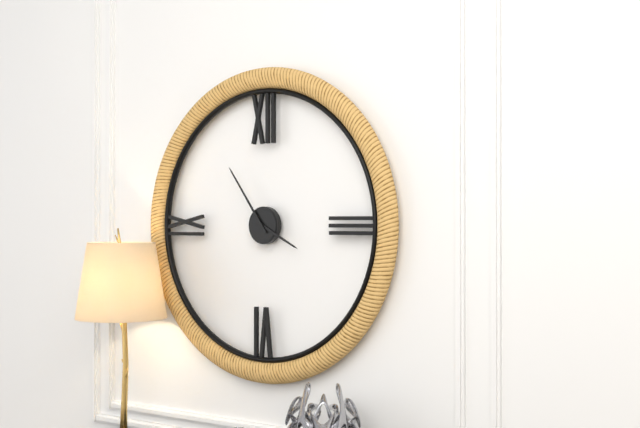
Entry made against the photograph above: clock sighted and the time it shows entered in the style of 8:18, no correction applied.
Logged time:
3:54
